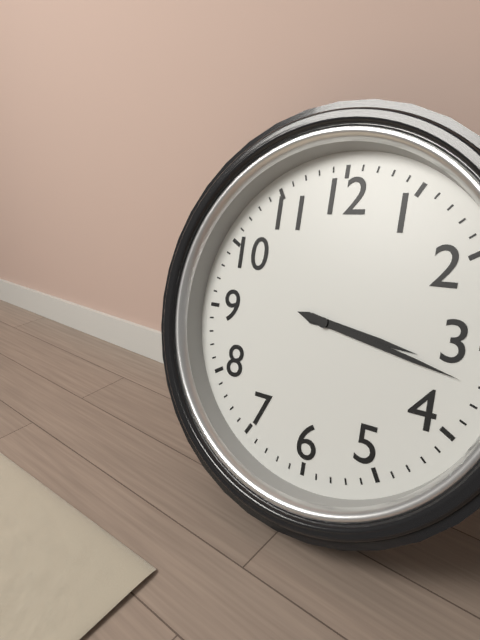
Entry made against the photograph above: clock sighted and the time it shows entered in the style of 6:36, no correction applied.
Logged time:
3:17
